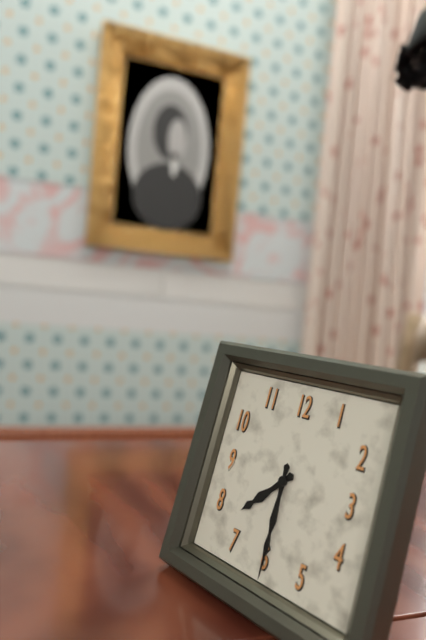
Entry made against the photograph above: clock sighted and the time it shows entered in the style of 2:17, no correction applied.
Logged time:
7:30
